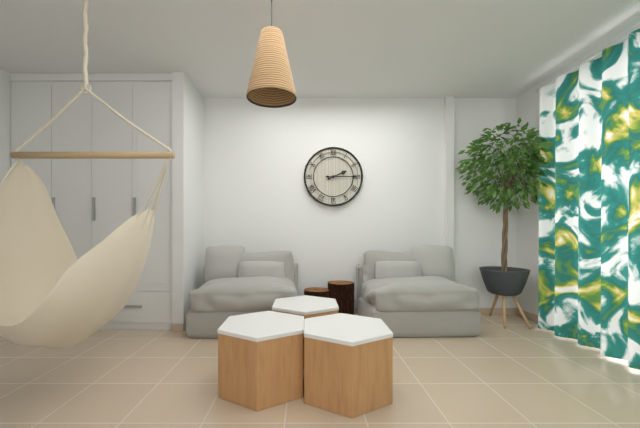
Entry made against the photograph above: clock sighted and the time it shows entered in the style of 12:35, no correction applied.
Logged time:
2:15
